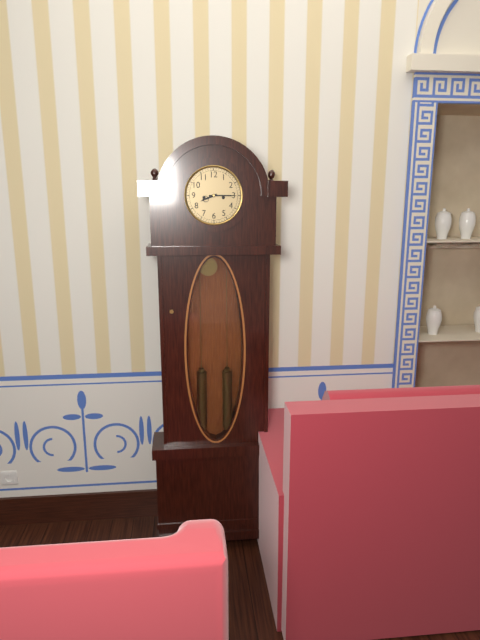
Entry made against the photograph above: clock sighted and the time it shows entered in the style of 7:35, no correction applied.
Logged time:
8:15
